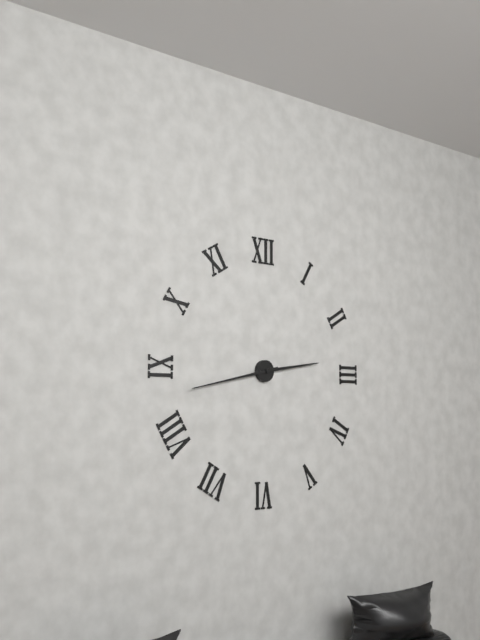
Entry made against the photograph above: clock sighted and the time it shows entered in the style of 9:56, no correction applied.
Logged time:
2:43
